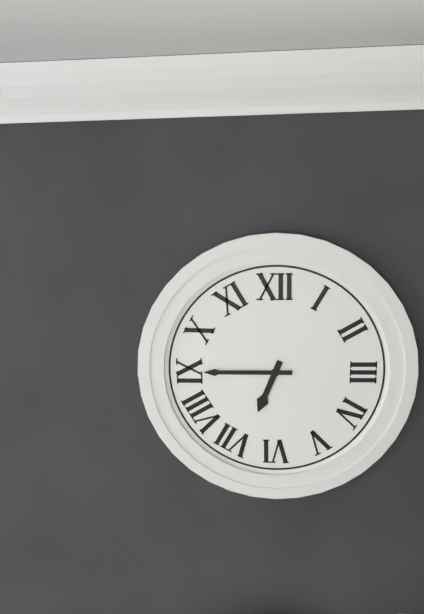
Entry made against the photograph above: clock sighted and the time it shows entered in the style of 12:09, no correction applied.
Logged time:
6:45
